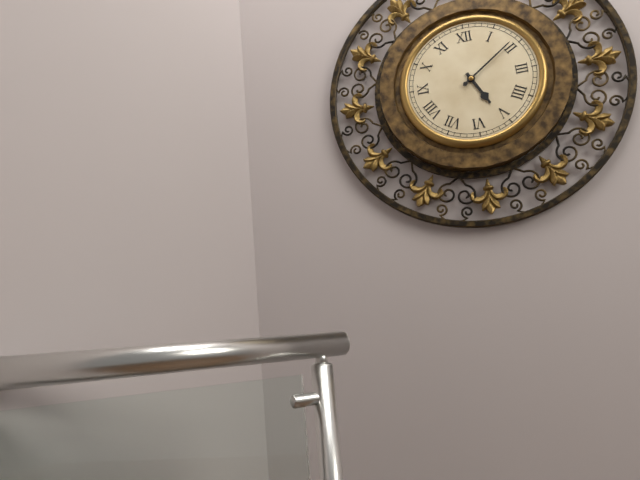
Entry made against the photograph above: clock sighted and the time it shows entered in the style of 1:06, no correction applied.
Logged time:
5:09
